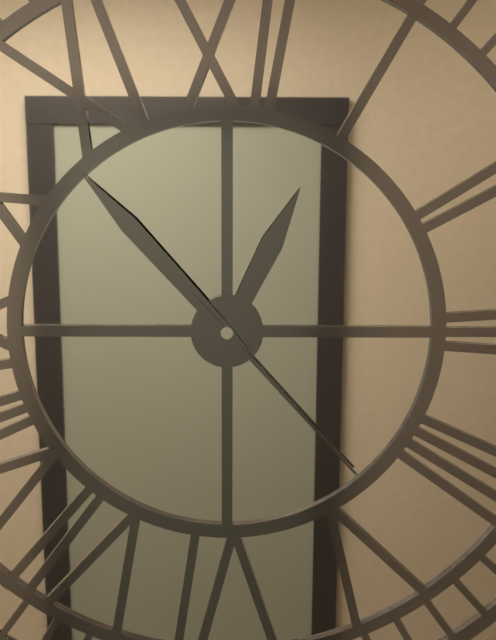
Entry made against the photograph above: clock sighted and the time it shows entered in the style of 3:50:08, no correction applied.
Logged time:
12:53:23
